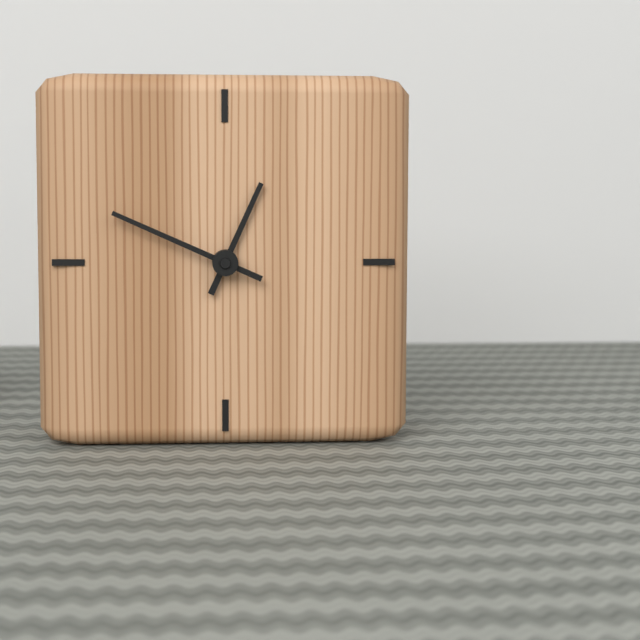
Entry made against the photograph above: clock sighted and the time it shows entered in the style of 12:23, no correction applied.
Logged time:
12:49
